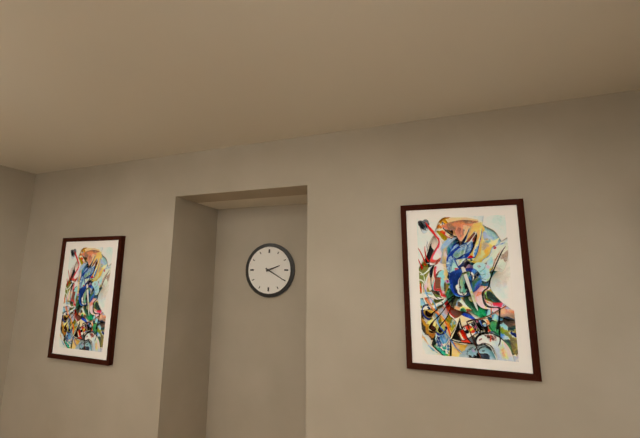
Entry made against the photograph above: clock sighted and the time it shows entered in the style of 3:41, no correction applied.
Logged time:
2:20
